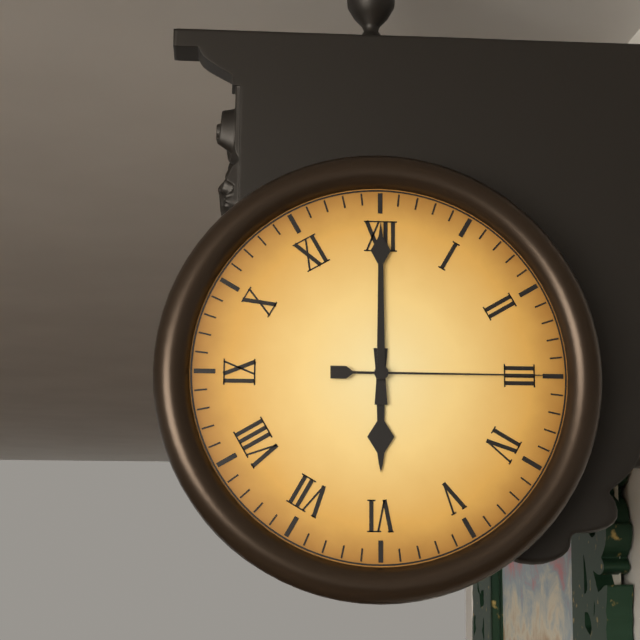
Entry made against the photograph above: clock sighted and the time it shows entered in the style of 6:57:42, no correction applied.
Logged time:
6:00:15
